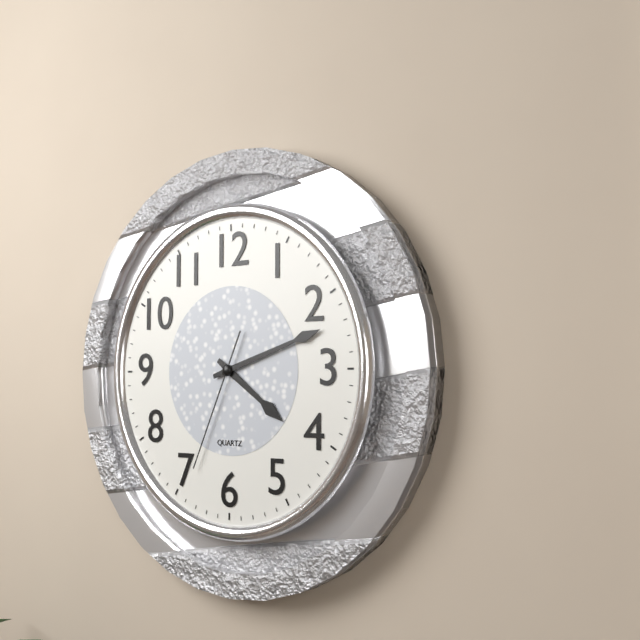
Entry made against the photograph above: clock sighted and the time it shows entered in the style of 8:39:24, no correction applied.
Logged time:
4:12:34
